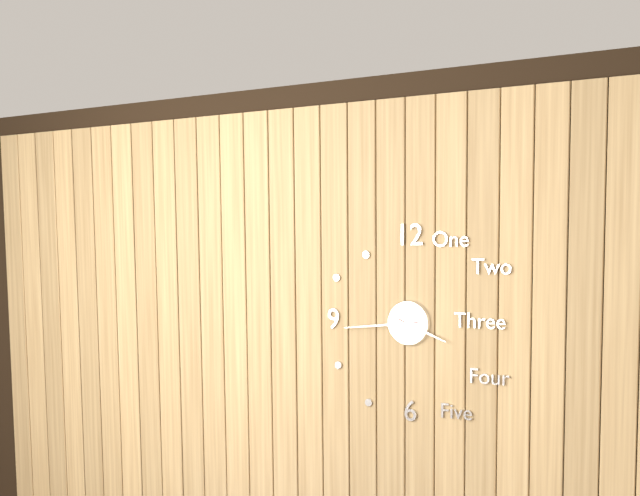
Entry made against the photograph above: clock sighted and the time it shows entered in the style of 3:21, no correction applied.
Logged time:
3:44
